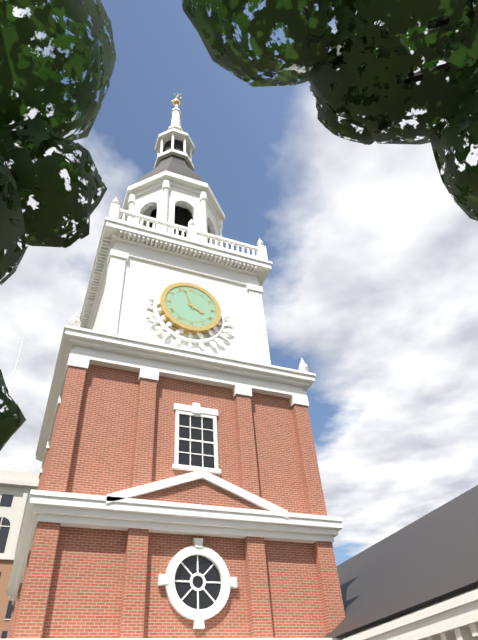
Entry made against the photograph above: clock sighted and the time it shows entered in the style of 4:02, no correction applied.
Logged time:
3:57
